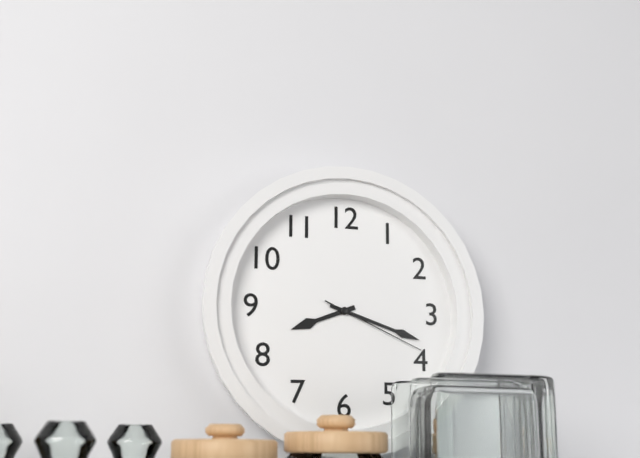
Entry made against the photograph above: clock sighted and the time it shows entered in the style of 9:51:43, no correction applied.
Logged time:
8:18:19
